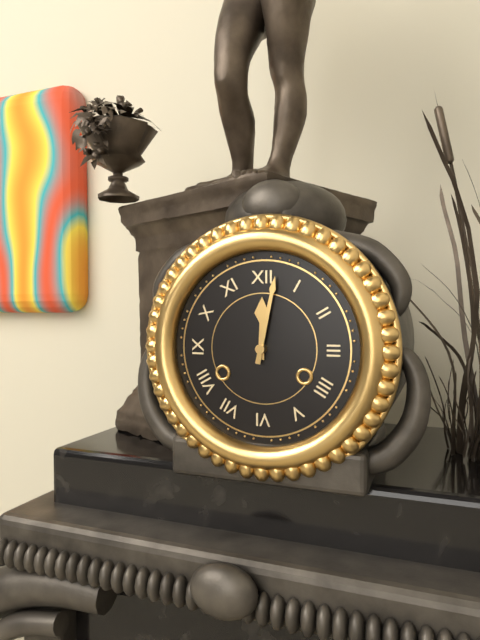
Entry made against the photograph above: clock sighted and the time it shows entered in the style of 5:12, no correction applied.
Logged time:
12:02
